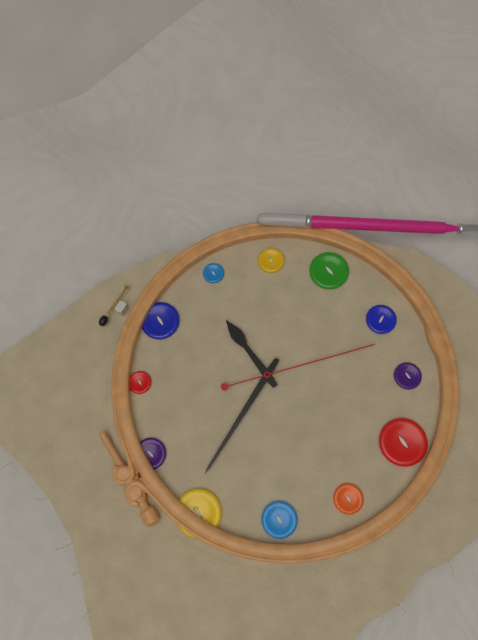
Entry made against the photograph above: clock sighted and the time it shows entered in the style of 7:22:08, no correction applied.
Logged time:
2:56:33
